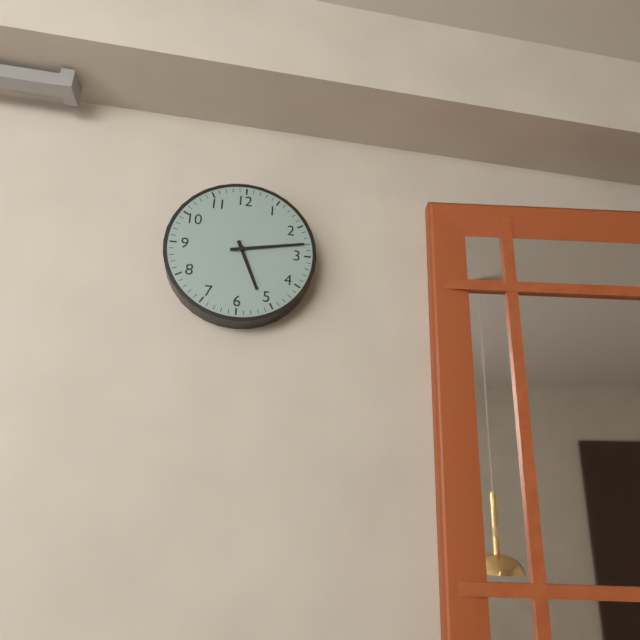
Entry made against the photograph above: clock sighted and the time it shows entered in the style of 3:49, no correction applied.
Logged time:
5:13
